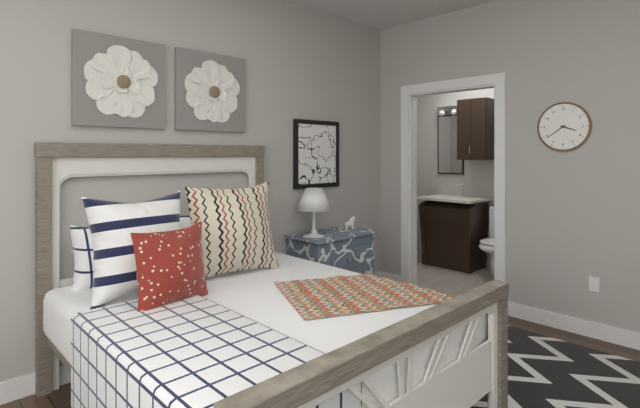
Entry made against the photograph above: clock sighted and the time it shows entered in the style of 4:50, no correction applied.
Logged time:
3:39
